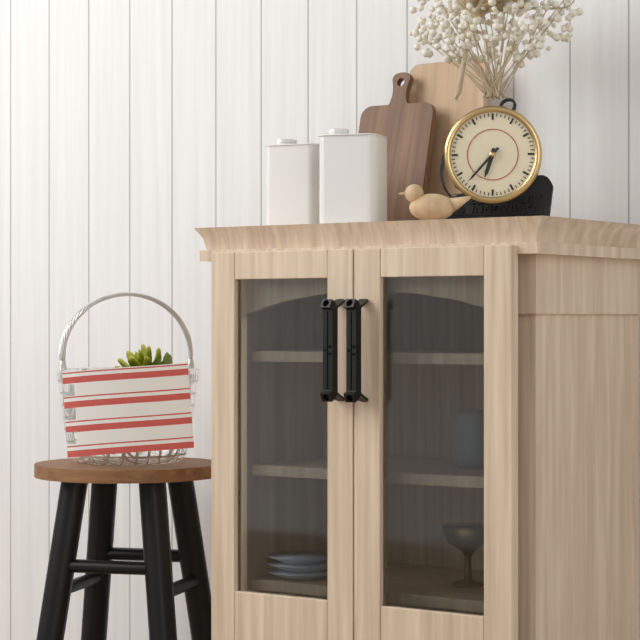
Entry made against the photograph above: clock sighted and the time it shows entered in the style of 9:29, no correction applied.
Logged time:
6:37
